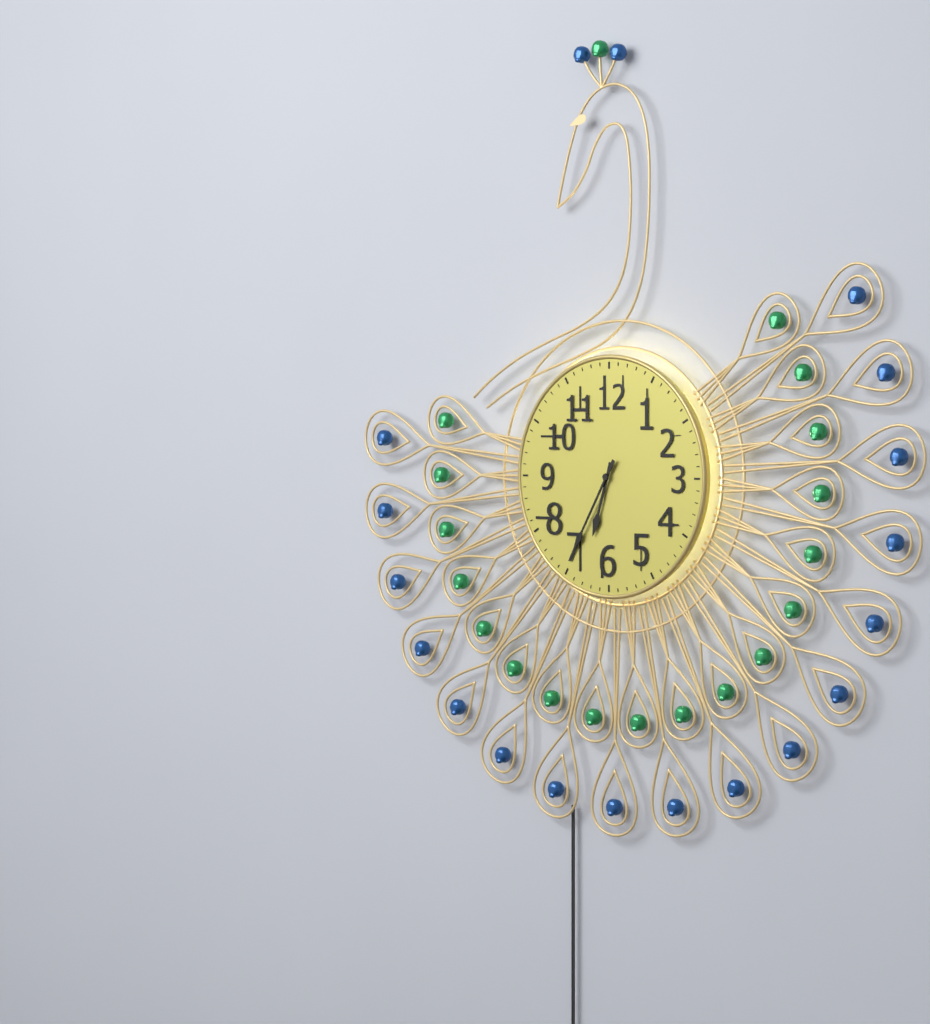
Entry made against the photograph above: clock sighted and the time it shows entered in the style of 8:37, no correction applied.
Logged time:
6:35
